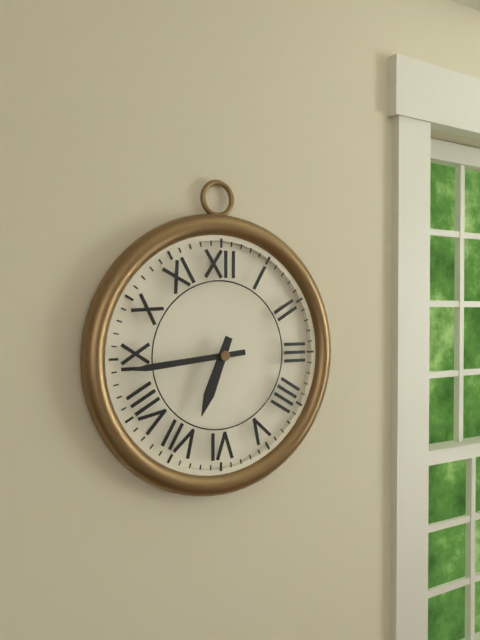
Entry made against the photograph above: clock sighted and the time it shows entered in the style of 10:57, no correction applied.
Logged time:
6:44
